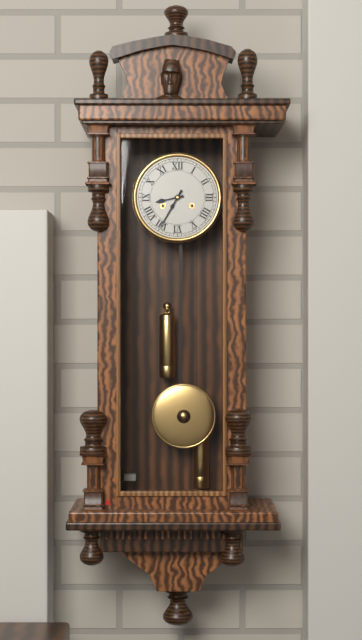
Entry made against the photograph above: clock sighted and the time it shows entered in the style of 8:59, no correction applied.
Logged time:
8:35
